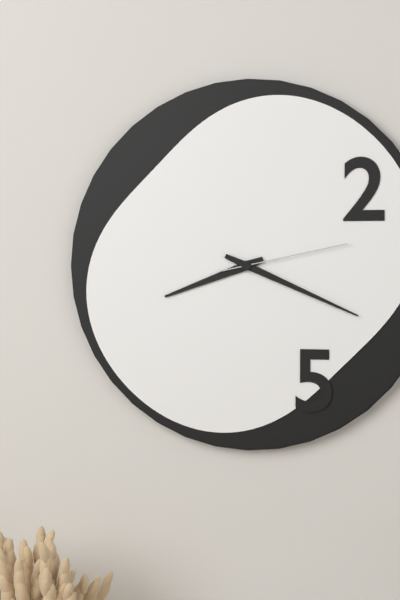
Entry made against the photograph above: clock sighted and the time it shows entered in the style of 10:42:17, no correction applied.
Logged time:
8:19:13
